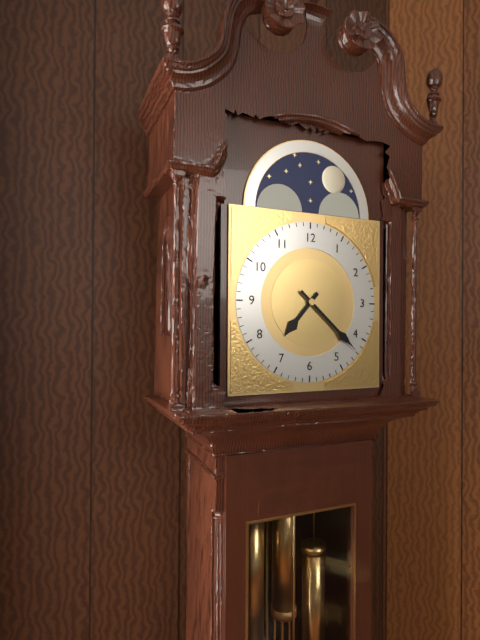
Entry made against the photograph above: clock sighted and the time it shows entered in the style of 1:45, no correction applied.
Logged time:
7:22
